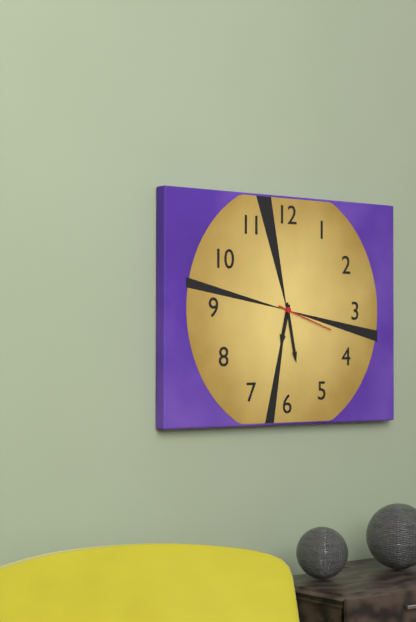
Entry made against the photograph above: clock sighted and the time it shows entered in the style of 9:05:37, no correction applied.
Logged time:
6:28:18
